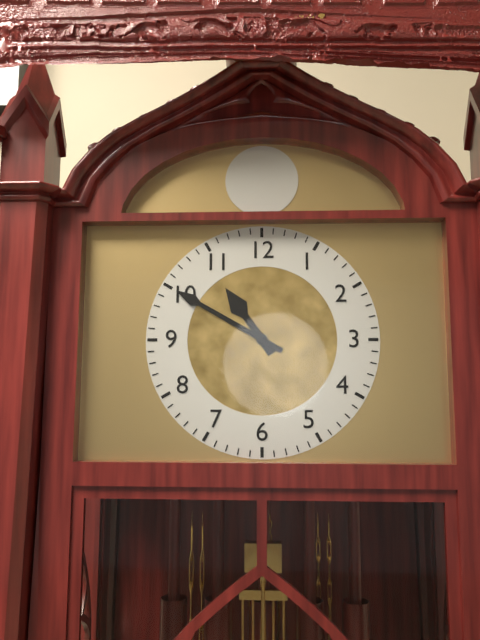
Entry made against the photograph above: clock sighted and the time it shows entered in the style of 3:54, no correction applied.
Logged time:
10:50
